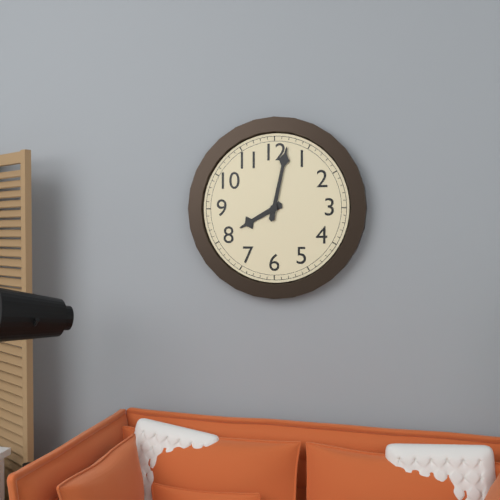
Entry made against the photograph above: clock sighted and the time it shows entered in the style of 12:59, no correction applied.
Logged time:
8:02
